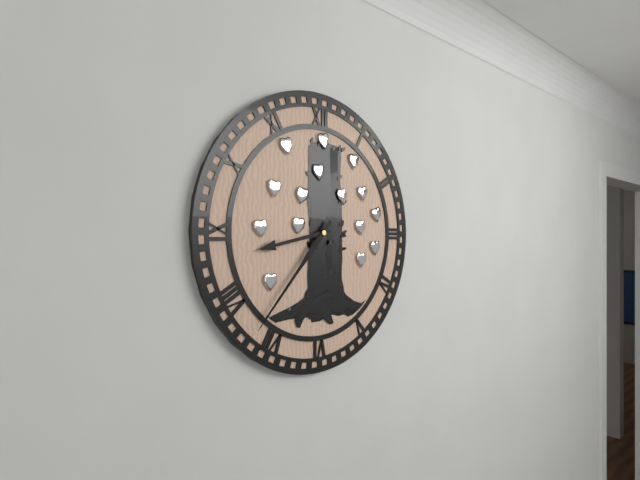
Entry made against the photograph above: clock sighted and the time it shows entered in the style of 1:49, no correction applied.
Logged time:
8:37
